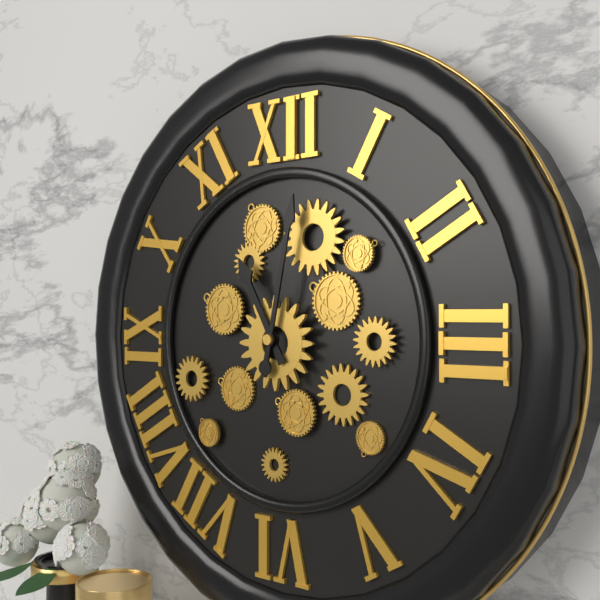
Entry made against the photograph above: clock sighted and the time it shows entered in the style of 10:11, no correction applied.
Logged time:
11:02
